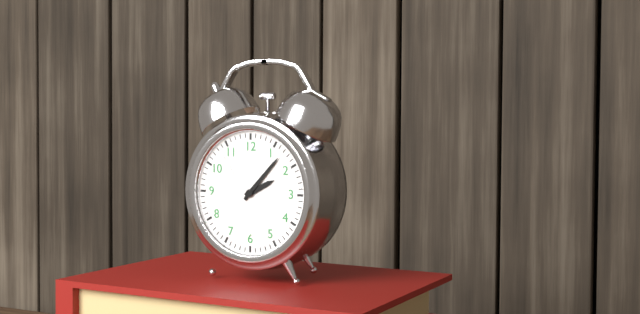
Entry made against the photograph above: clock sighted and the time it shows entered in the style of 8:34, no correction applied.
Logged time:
2:07
